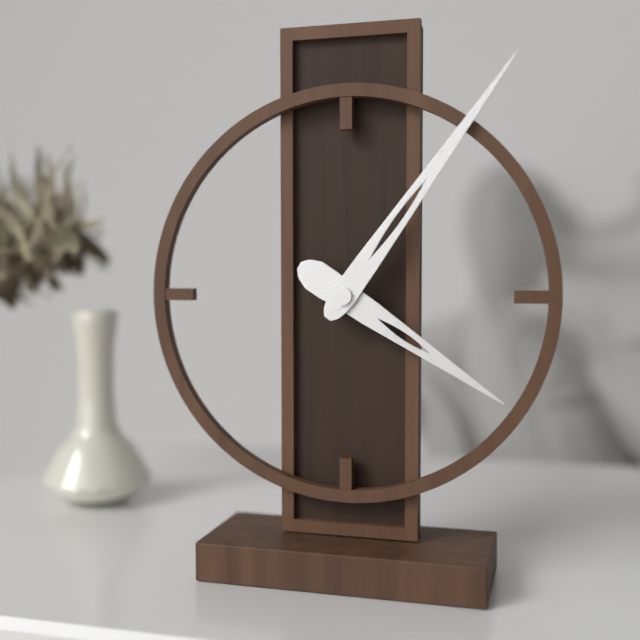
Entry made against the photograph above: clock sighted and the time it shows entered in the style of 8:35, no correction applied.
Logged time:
4:06
